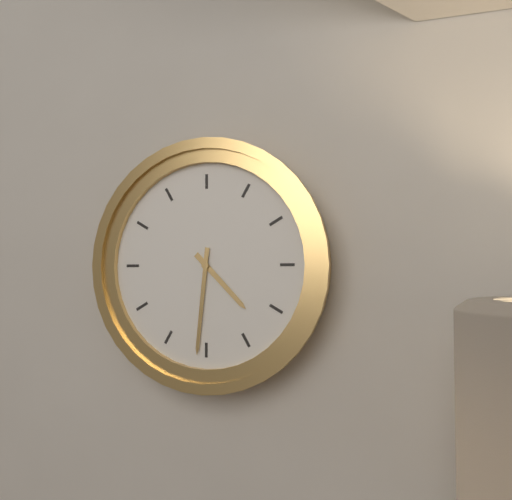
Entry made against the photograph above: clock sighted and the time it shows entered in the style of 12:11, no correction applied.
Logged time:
4:31
